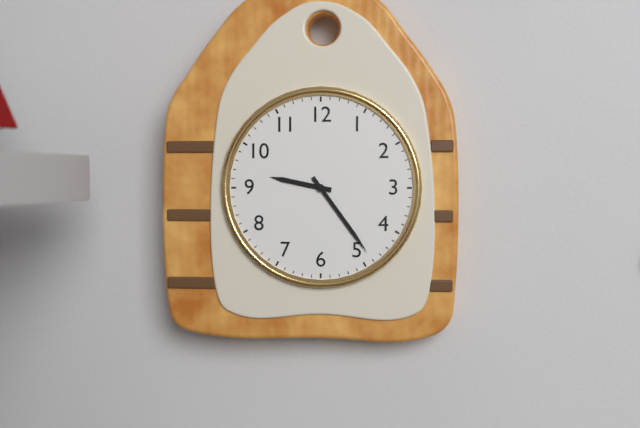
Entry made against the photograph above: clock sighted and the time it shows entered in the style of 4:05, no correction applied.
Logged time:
9:24
